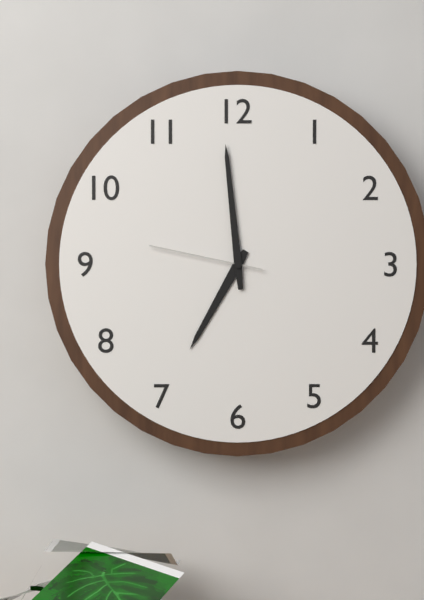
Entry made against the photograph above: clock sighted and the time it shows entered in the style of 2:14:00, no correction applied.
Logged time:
6:59:47
